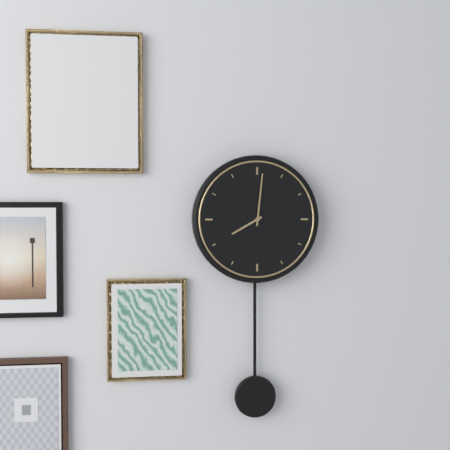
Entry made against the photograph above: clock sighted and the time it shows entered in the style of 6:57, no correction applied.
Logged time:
8:01
